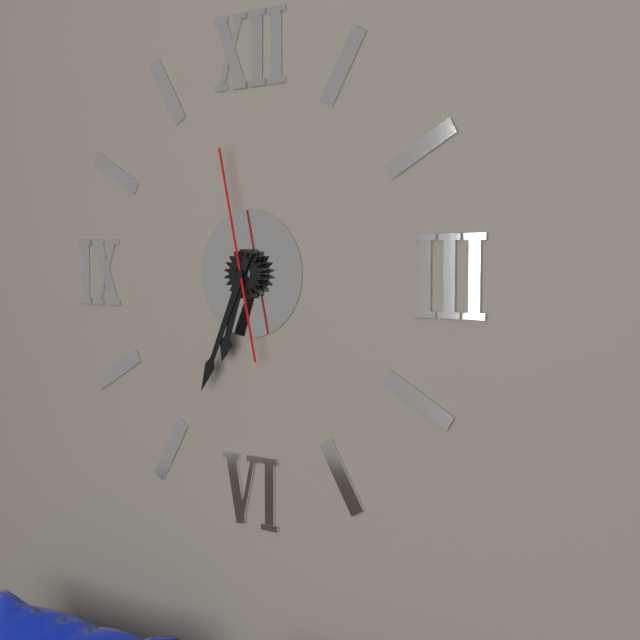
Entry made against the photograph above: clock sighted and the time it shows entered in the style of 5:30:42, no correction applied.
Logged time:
6:34:58
